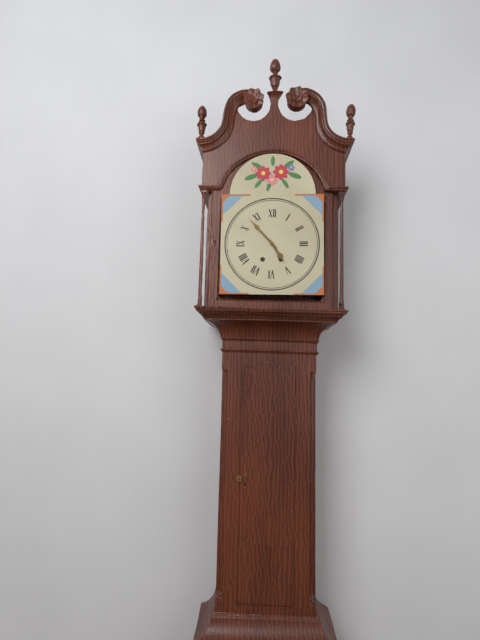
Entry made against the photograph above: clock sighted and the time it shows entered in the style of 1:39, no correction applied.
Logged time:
4:53
